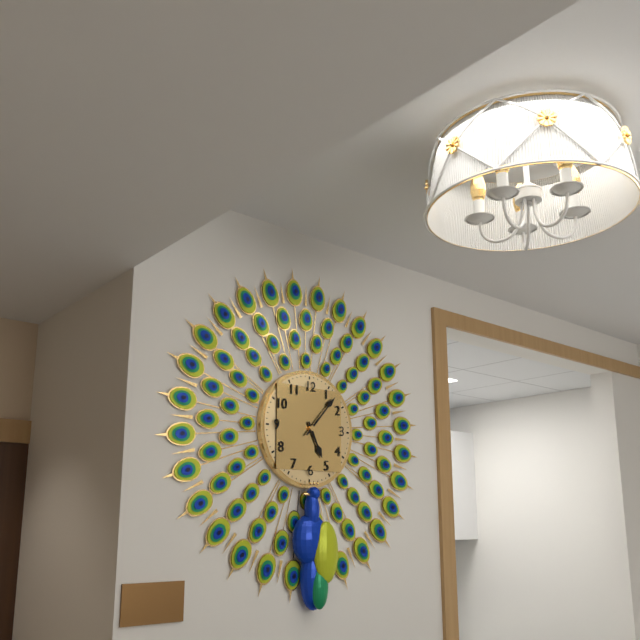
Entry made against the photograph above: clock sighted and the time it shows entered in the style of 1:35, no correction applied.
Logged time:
5:07
